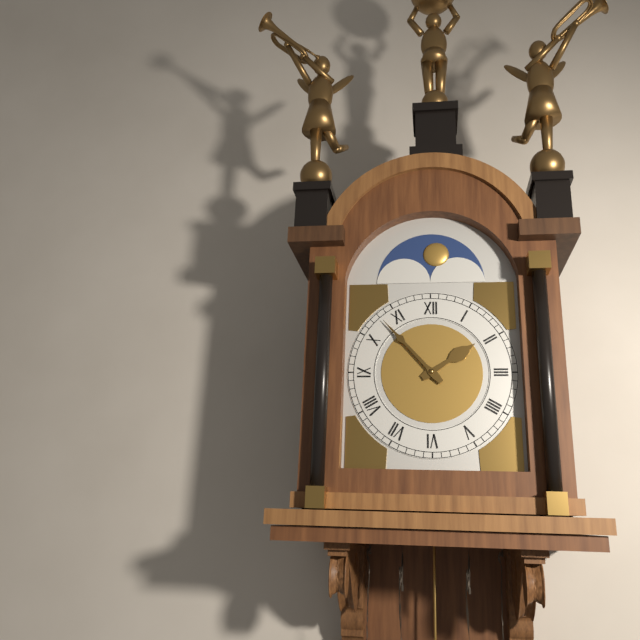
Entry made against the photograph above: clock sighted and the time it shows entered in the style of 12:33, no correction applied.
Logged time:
1:53
